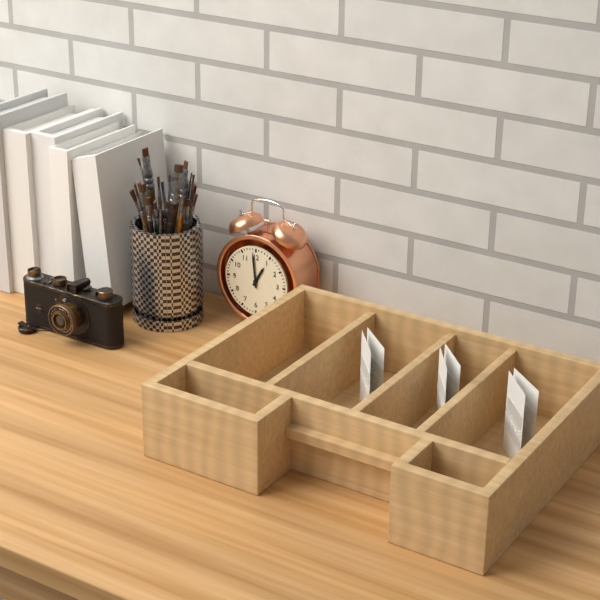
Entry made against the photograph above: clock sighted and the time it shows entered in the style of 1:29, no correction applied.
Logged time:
12:59
